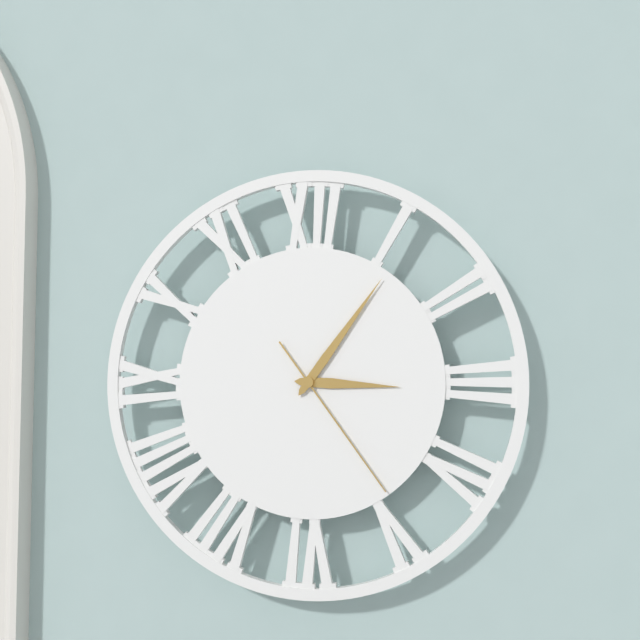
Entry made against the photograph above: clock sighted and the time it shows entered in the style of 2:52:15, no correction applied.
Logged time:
3:06:24
